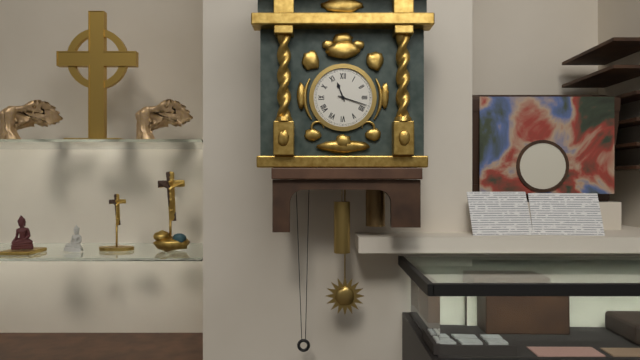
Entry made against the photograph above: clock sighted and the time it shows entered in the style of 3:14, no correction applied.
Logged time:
11:18
